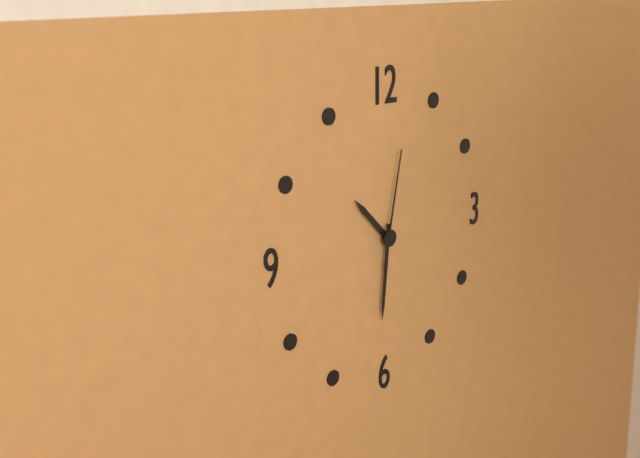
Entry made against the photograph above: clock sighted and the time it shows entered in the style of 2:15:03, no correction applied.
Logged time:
10:31:02
